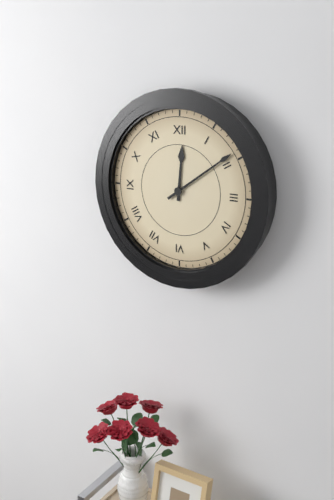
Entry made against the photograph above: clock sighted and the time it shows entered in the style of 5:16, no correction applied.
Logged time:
12:09
